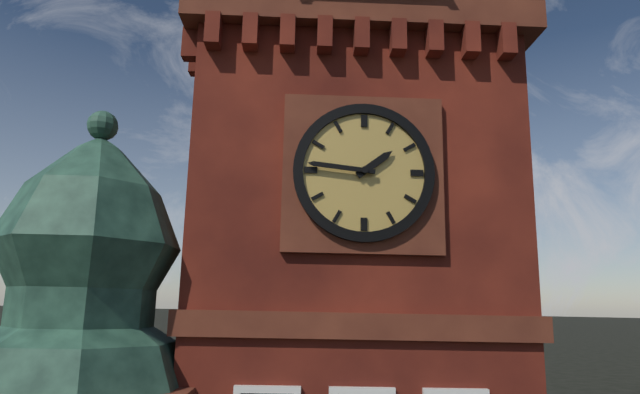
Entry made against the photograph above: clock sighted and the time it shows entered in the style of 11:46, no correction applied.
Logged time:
1:46
